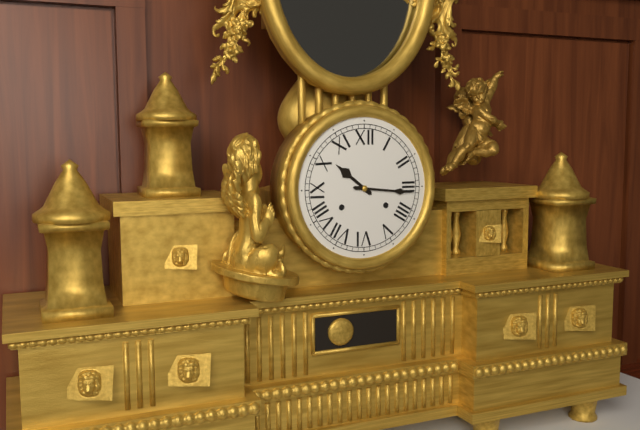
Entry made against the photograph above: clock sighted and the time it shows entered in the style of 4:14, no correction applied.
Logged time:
10:16
